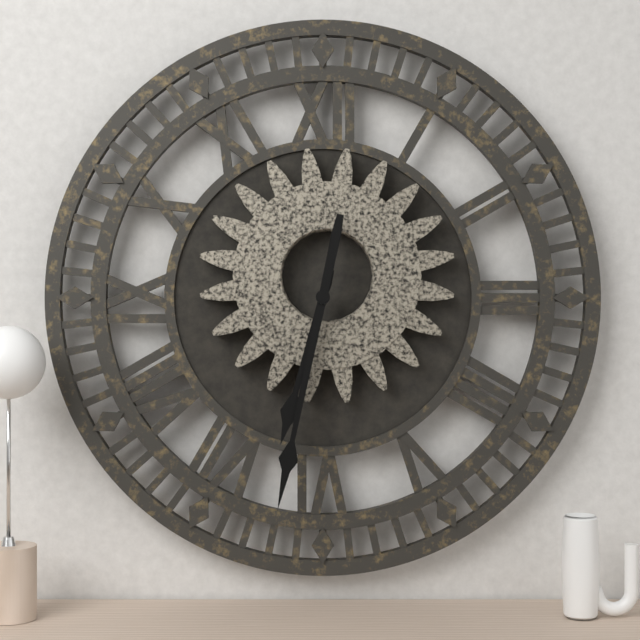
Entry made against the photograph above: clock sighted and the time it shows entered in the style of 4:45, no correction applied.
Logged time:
6:32
